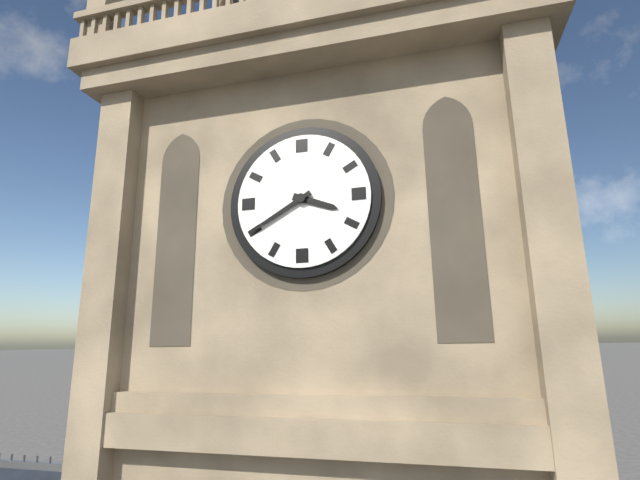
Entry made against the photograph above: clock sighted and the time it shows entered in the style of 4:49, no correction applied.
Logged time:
3:40
